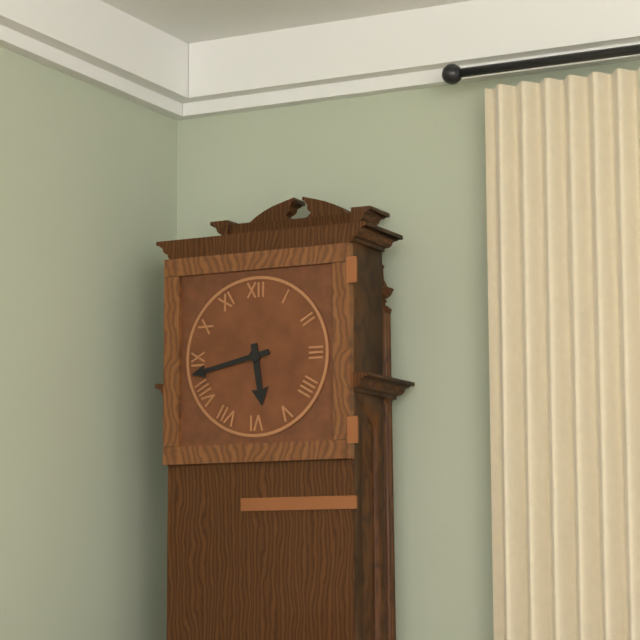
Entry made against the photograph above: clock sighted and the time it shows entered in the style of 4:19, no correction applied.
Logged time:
5:43
